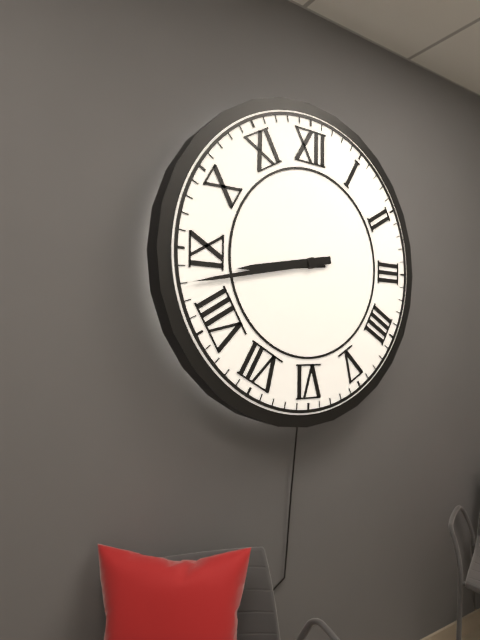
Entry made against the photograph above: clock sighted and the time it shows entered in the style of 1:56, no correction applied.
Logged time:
8:43
